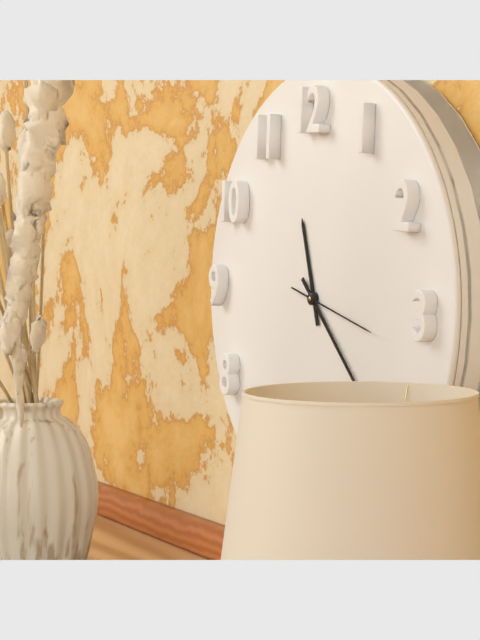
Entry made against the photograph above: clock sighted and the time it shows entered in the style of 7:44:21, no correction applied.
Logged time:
11:22:17
